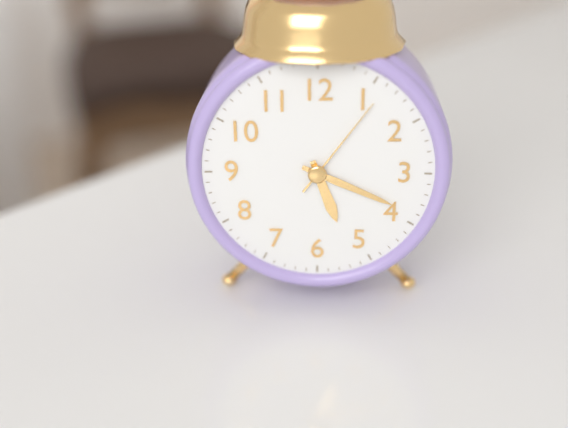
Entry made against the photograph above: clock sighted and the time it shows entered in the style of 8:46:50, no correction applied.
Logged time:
5:19:06
